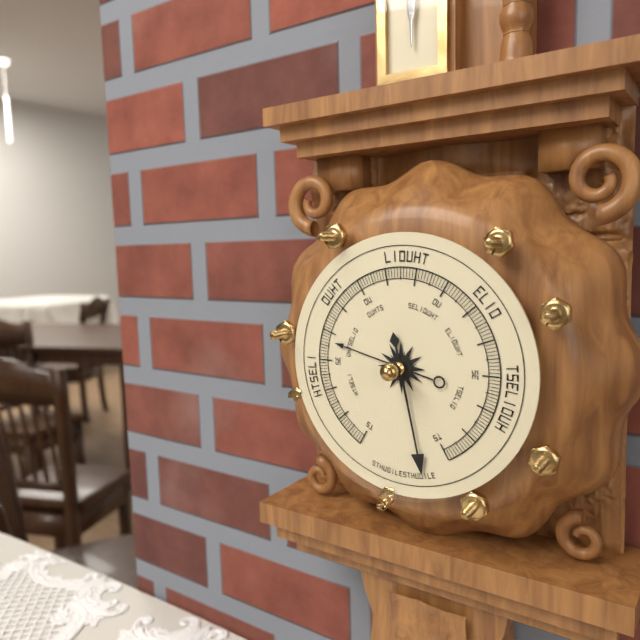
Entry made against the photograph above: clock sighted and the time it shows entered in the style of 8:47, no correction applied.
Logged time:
9:28
